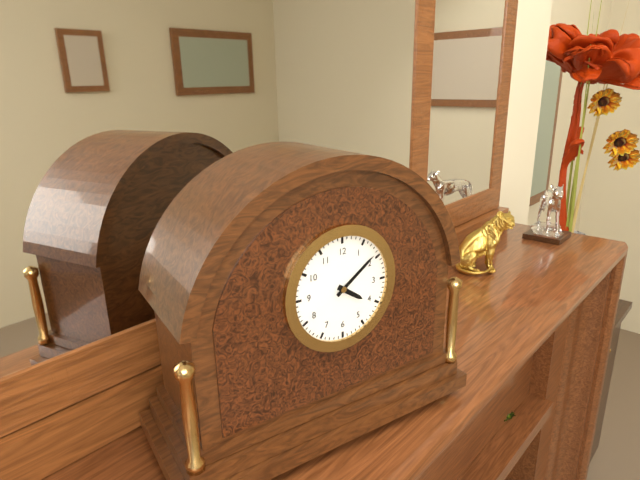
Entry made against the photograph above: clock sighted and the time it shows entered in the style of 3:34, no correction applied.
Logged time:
4:09
